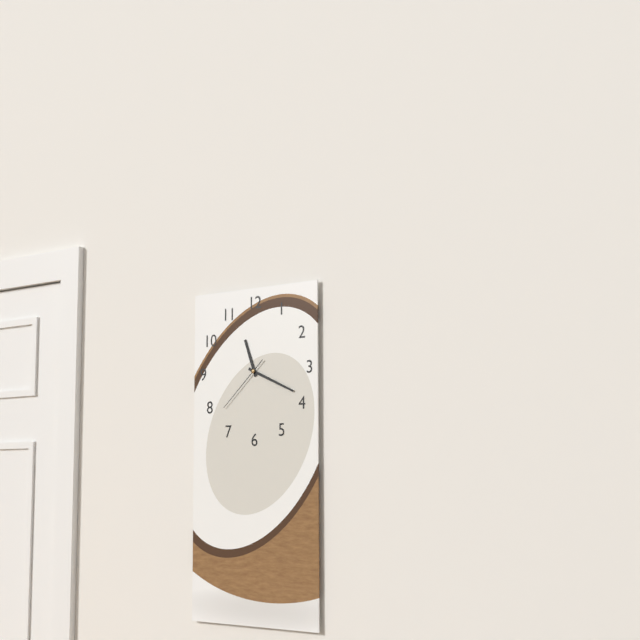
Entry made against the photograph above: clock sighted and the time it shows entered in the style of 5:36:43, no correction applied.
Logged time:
11:19:38
